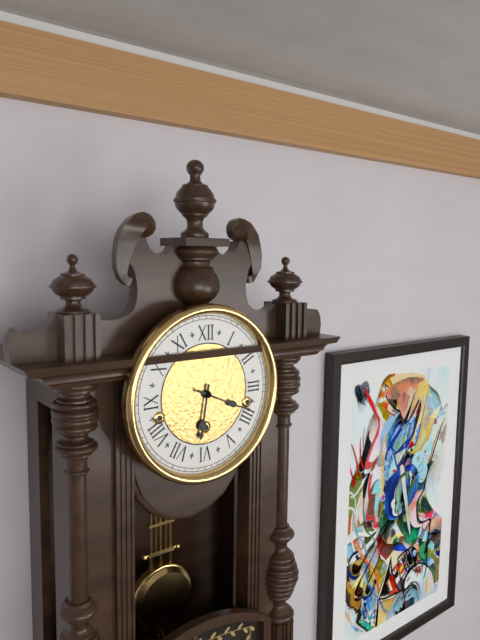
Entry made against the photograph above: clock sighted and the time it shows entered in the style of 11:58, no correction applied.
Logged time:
6:19
